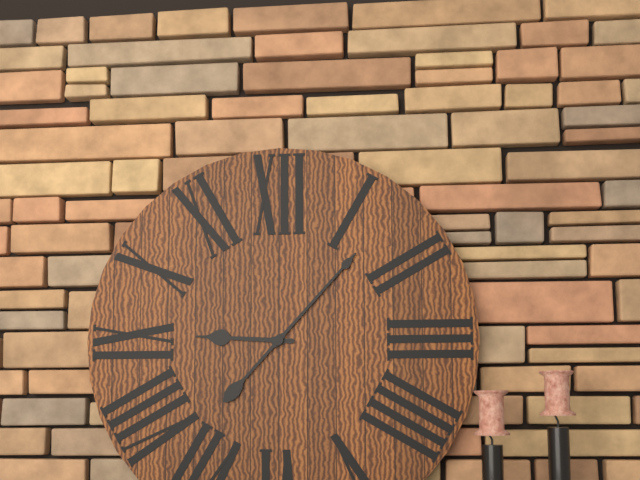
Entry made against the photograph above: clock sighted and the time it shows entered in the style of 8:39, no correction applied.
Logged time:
9:07
